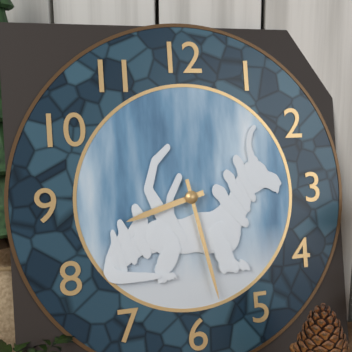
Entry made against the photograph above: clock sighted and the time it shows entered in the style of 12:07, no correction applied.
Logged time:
8:28
